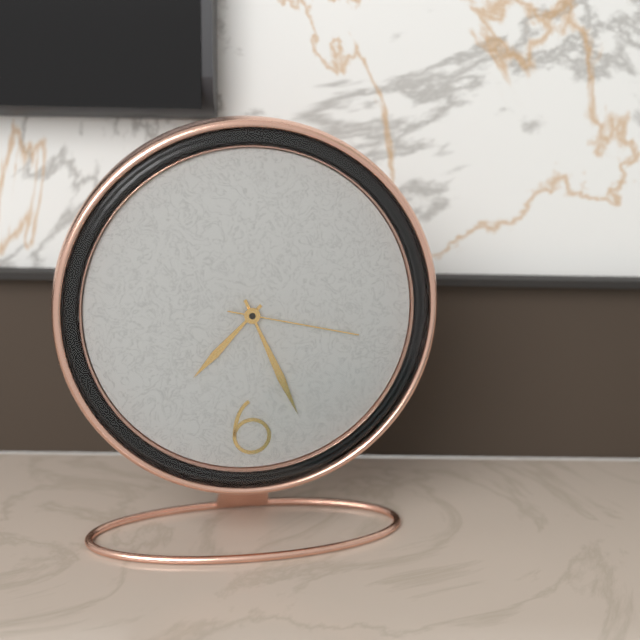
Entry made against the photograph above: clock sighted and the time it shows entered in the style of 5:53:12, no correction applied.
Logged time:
7:26:17
